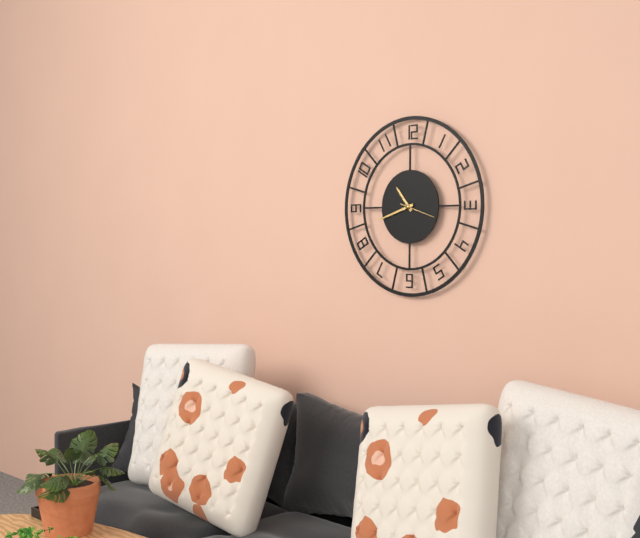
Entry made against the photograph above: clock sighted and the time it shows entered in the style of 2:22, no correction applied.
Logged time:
10:42
